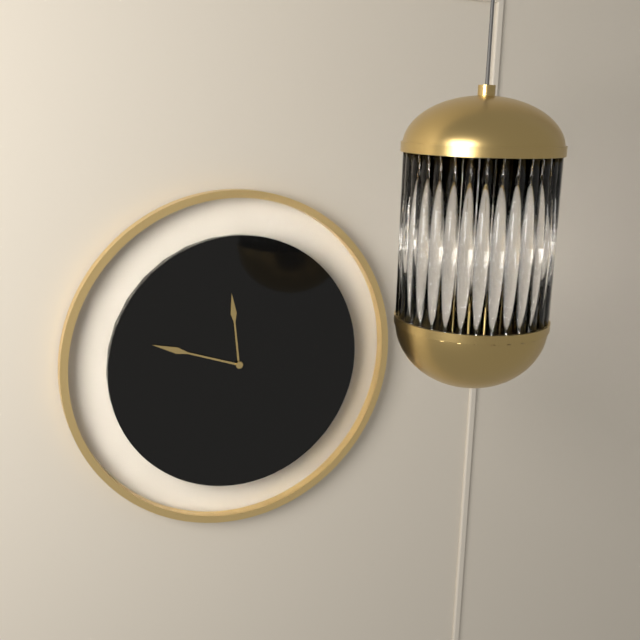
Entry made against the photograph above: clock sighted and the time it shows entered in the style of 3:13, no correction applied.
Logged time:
11:48
